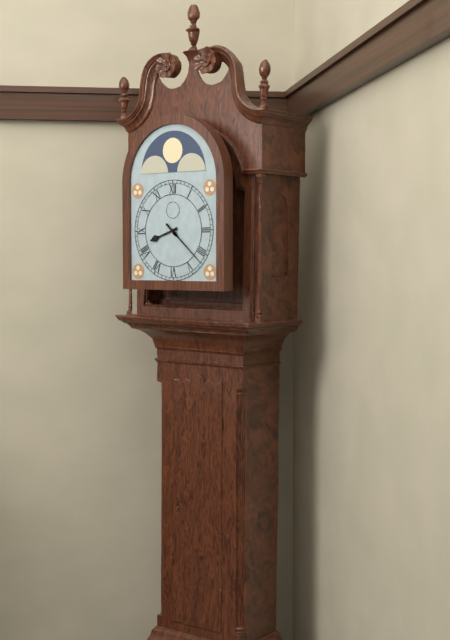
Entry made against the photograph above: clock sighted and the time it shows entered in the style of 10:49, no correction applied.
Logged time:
8:22
